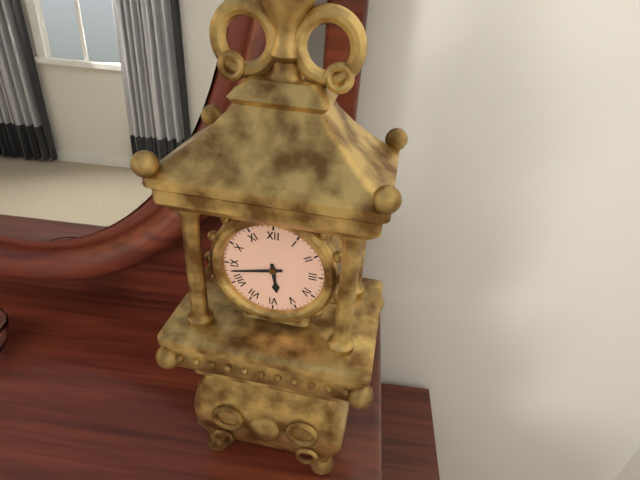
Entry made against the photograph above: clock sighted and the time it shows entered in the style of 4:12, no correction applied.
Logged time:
5:43
